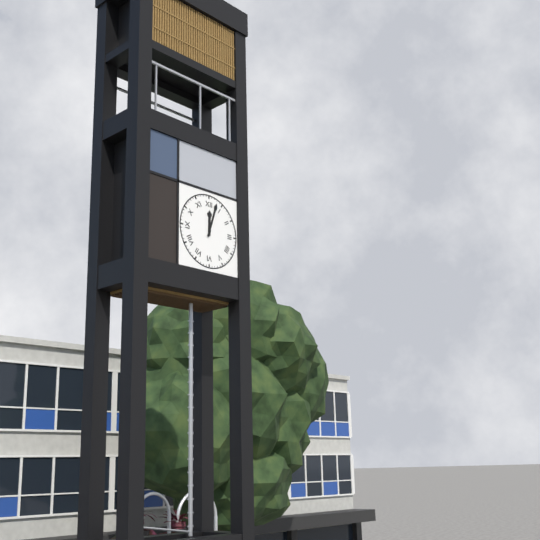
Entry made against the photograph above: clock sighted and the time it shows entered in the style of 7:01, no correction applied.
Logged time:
12:03
